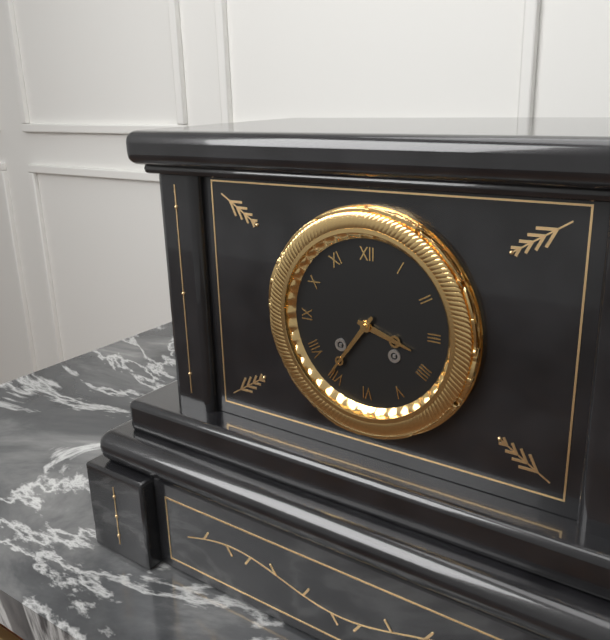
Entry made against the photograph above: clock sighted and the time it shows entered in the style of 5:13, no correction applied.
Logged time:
3:36
